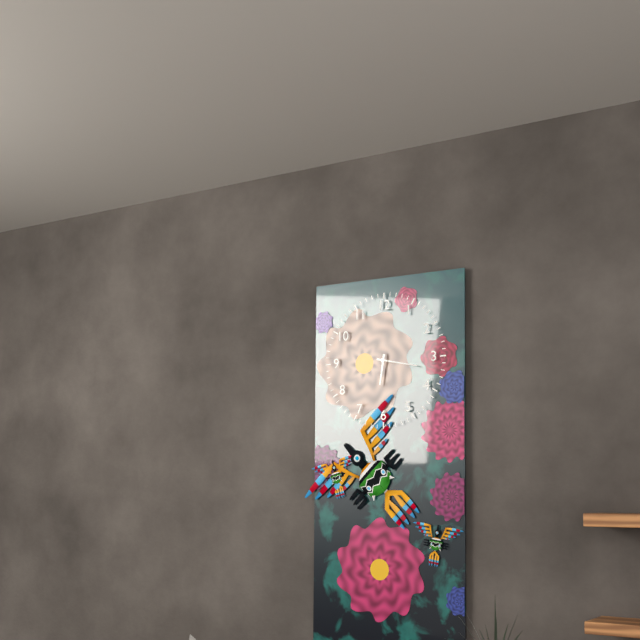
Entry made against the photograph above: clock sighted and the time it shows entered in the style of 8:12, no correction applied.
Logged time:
6:17
